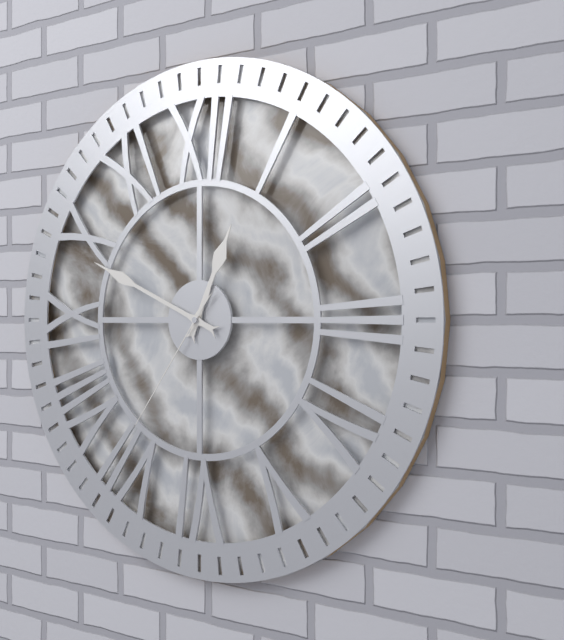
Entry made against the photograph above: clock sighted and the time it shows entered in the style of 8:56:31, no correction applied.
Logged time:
12:49:36
